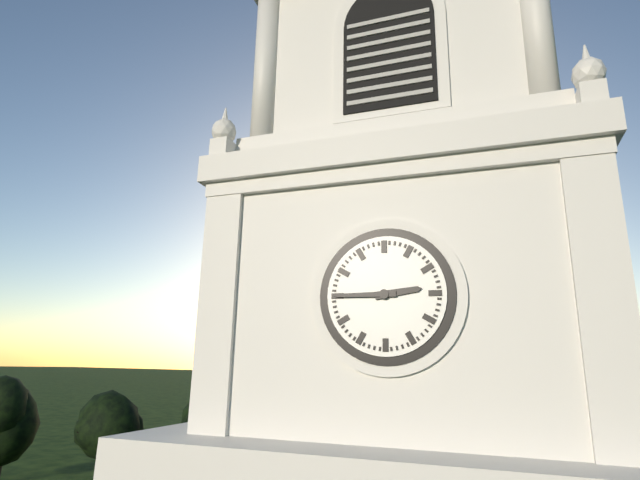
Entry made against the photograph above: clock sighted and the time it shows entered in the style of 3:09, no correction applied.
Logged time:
2:45
